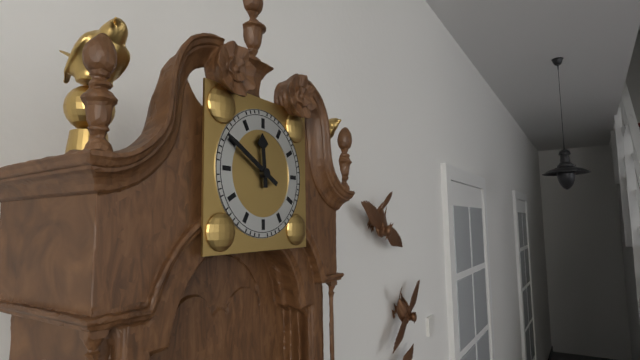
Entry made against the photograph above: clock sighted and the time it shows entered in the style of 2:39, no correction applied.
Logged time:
11:50
